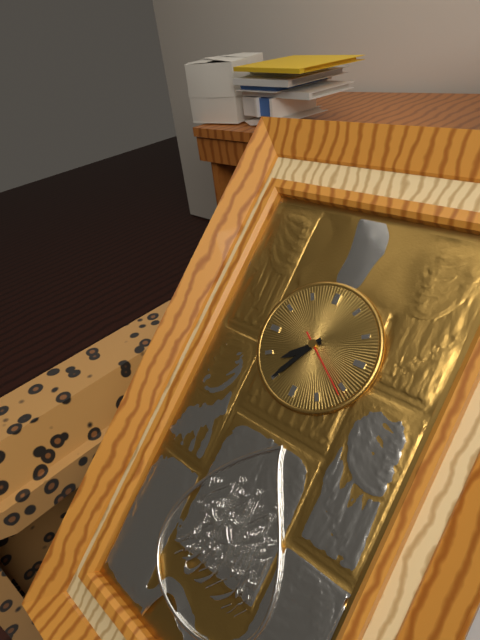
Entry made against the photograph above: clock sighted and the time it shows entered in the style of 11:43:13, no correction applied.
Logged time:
7:35:21
